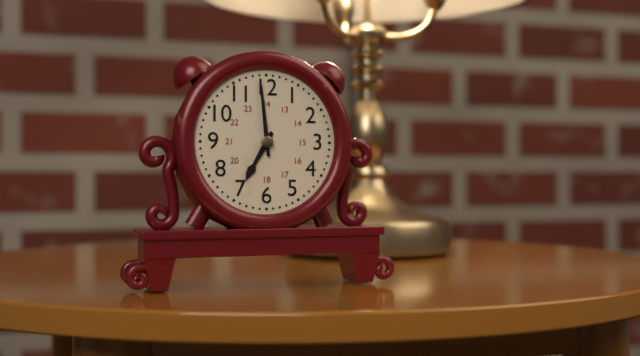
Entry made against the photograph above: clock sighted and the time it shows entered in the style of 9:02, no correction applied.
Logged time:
6:59
